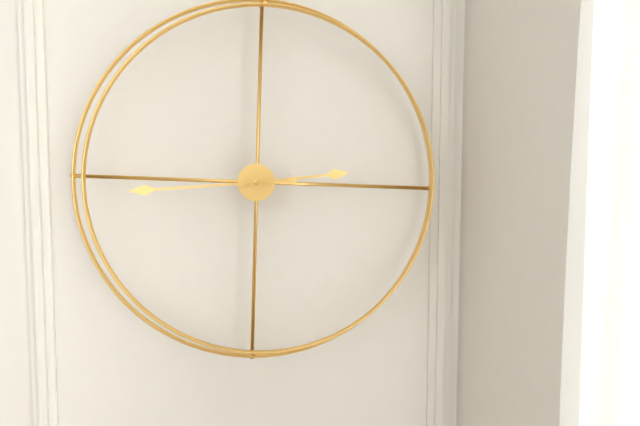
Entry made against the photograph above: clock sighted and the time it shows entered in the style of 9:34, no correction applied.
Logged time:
2:44
